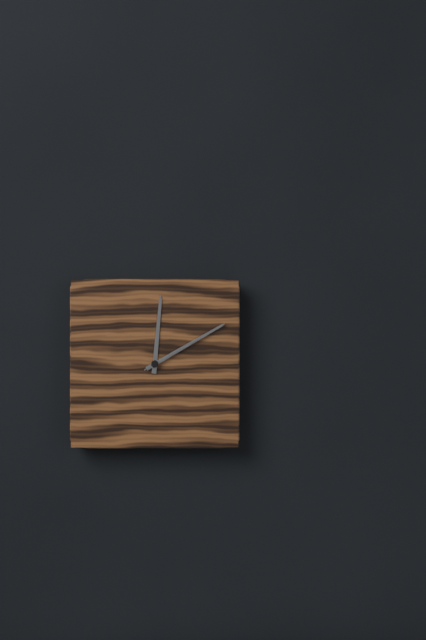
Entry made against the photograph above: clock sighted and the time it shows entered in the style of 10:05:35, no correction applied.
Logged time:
12:10:10
